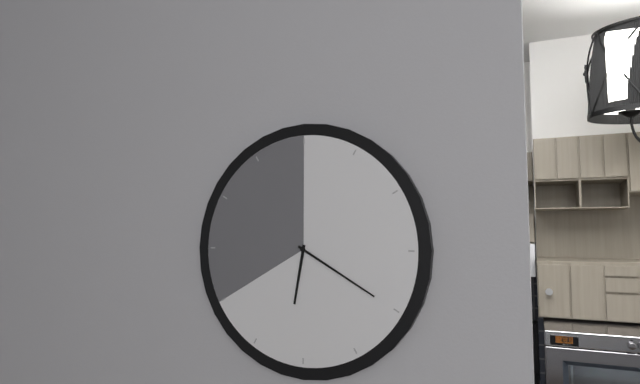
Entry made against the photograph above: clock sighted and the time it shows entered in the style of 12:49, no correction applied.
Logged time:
6:20
